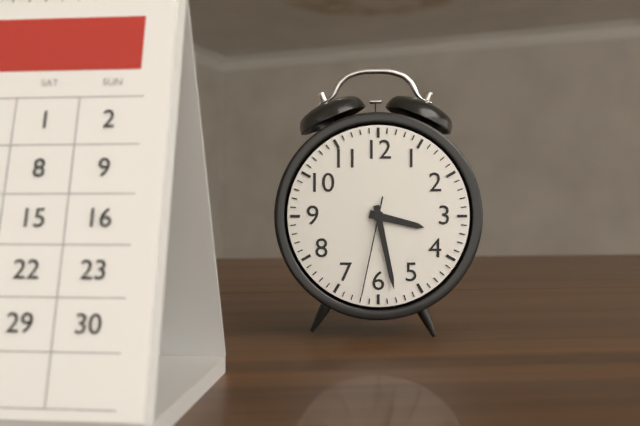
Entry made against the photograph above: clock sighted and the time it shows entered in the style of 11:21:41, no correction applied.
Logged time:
3:28:32
